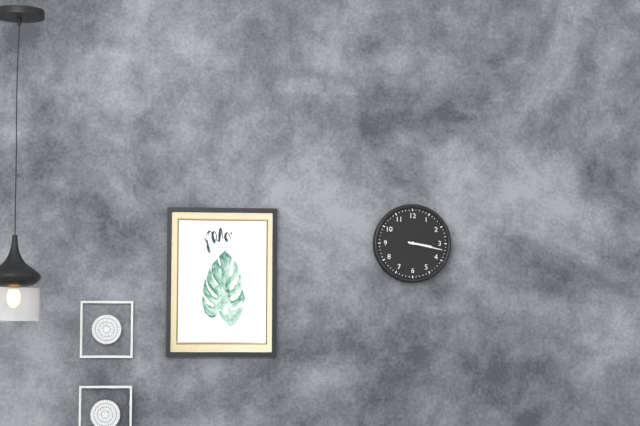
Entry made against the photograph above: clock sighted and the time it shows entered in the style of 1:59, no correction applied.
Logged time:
3:17
